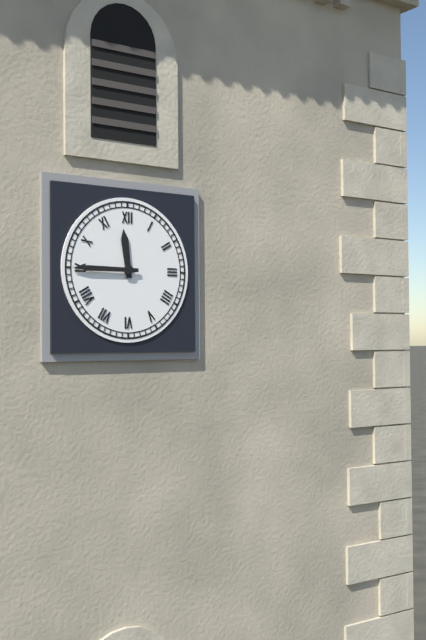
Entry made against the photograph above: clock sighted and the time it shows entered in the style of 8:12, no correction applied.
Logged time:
11:45
